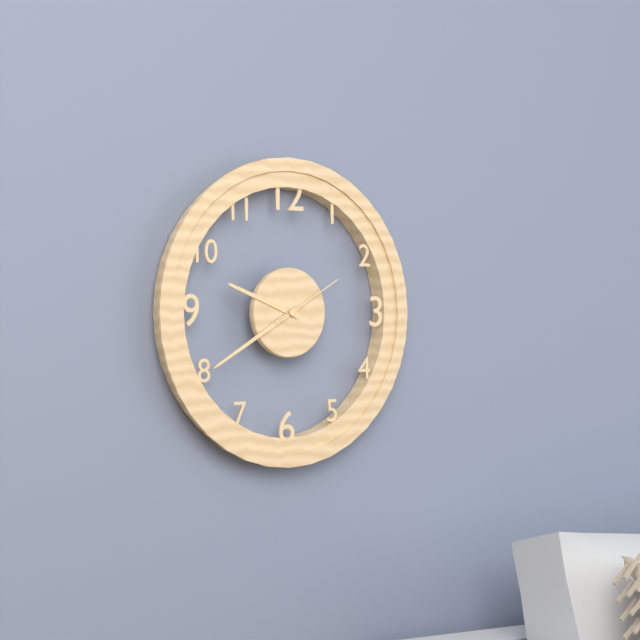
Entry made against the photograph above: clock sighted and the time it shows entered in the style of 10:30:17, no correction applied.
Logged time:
9:40:10
